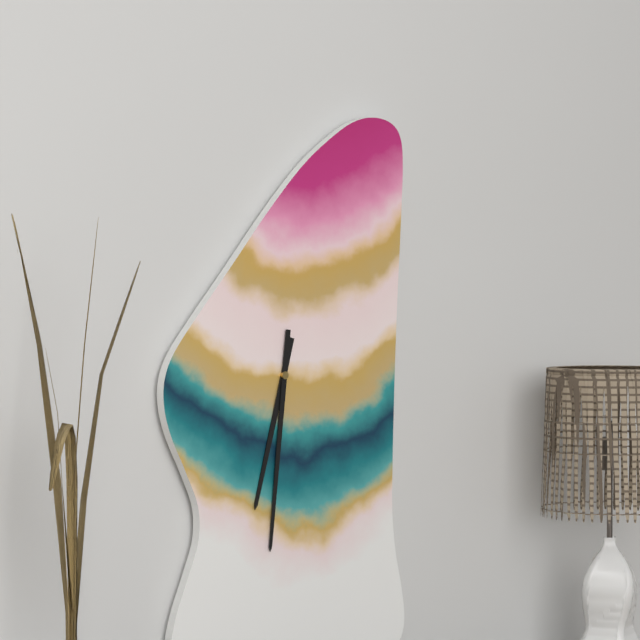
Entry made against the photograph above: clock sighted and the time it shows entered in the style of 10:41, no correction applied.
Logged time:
6:31
